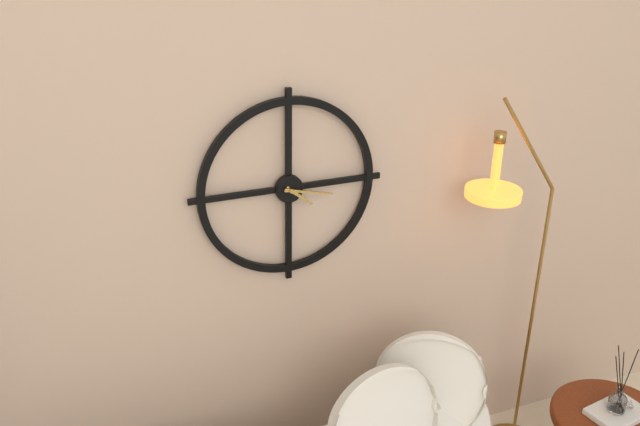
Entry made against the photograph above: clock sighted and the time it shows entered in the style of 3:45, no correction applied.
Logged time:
4:17
